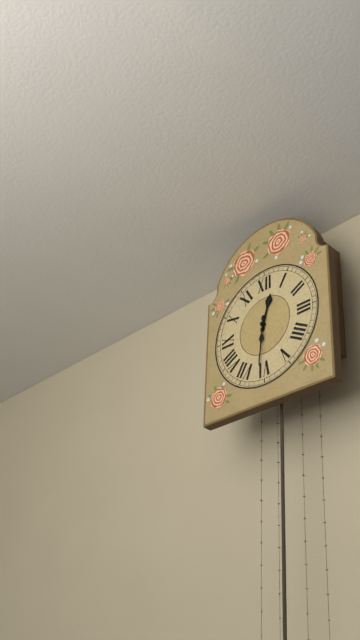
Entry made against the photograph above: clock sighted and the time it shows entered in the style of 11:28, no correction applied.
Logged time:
12:31
